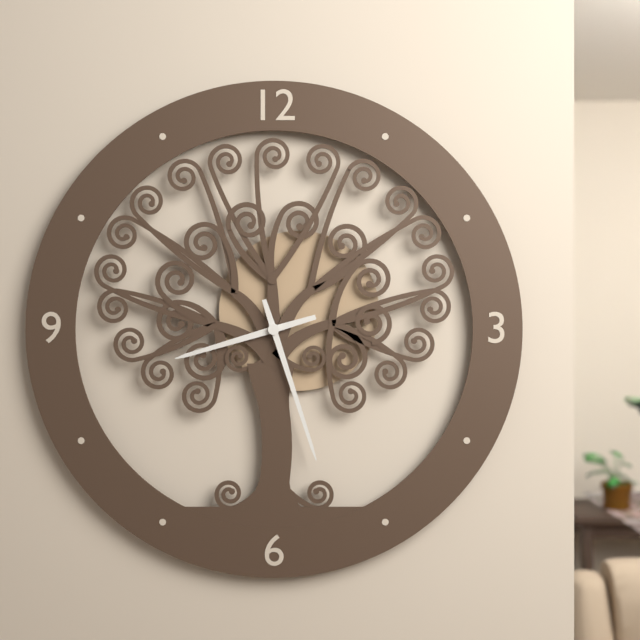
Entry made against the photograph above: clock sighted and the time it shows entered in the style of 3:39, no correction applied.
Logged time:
8:27
